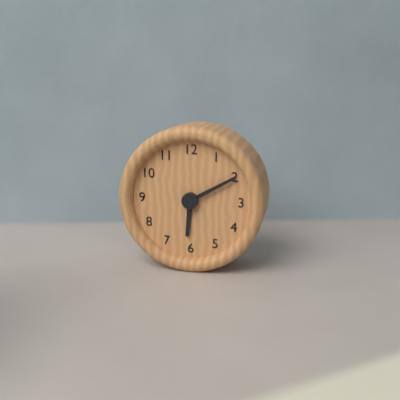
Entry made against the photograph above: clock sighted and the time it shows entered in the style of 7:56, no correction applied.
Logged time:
6:10
